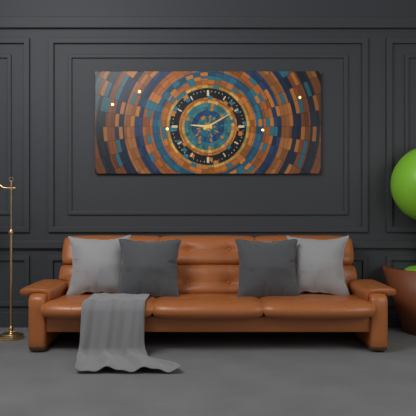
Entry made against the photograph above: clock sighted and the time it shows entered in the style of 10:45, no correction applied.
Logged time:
9:10
